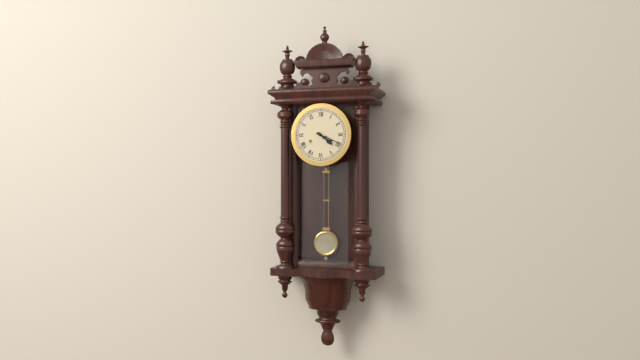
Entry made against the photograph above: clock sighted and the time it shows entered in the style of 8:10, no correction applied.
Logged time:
4:19
